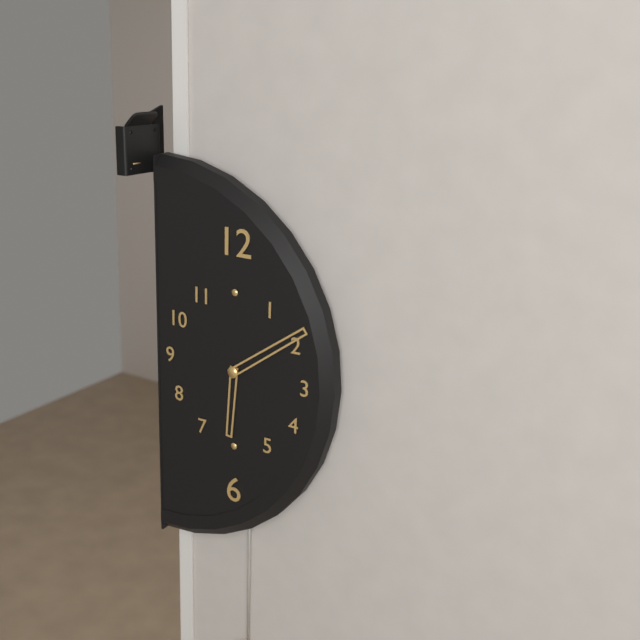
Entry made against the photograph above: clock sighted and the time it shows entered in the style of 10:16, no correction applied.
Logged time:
6:09
